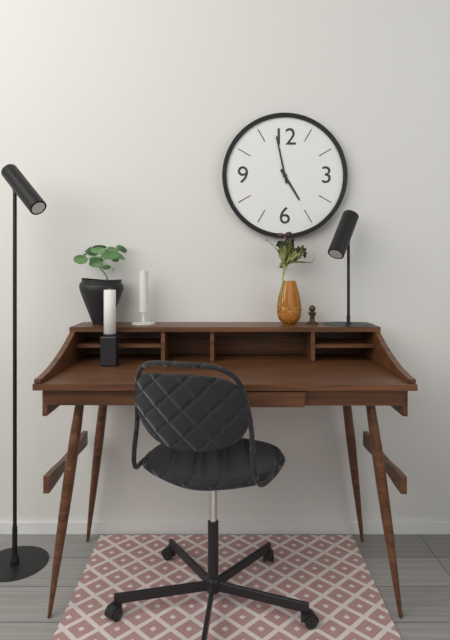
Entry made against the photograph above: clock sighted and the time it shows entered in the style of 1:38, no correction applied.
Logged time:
4:58
